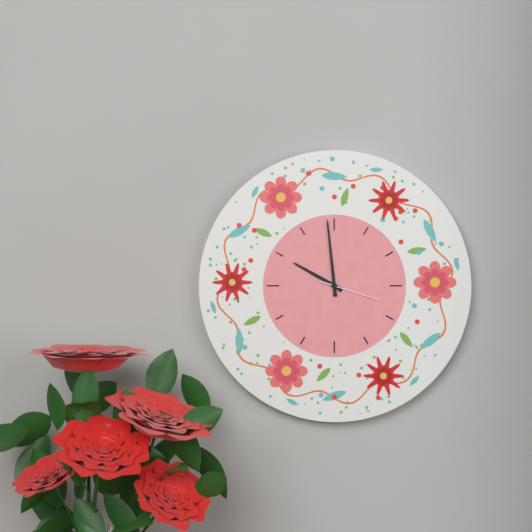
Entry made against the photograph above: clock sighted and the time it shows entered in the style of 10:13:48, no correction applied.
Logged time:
9:59:18
